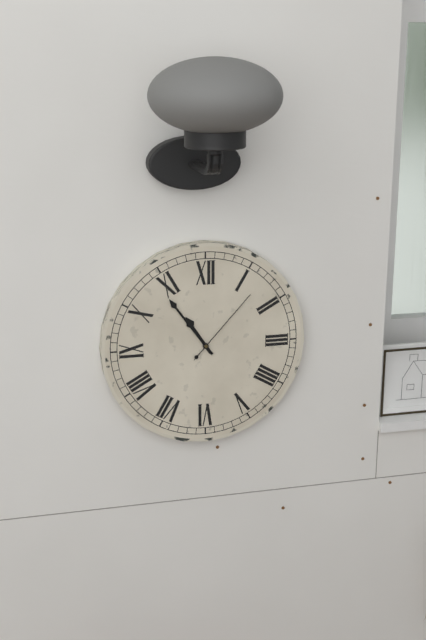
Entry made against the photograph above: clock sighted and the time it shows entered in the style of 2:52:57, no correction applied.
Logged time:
10:54:07
